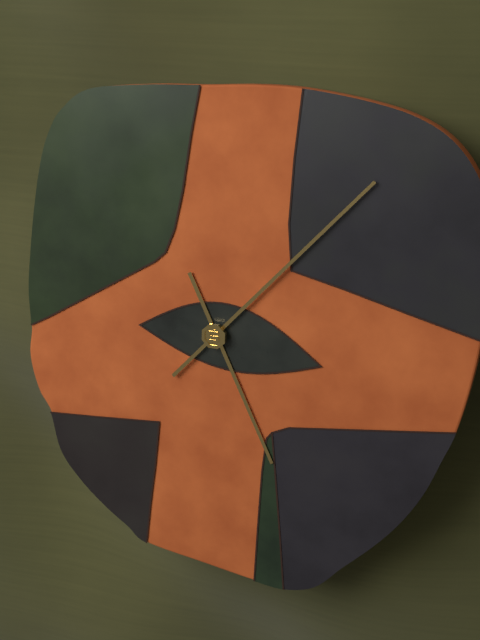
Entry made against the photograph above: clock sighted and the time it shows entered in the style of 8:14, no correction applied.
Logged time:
5:07
